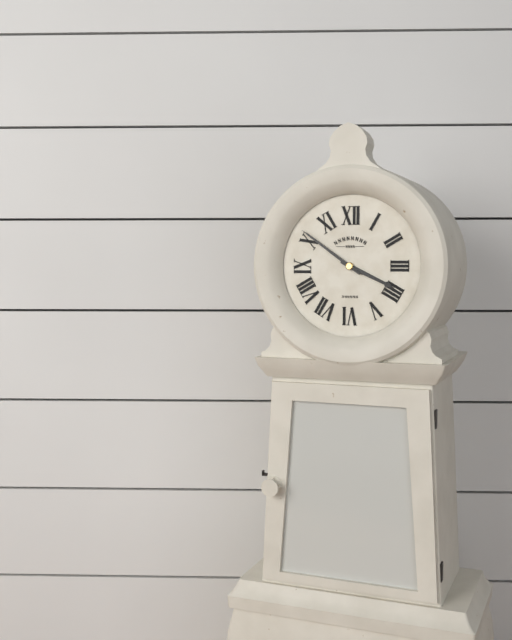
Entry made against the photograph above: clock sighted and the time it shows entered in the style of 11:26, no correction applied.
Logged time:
3:51
